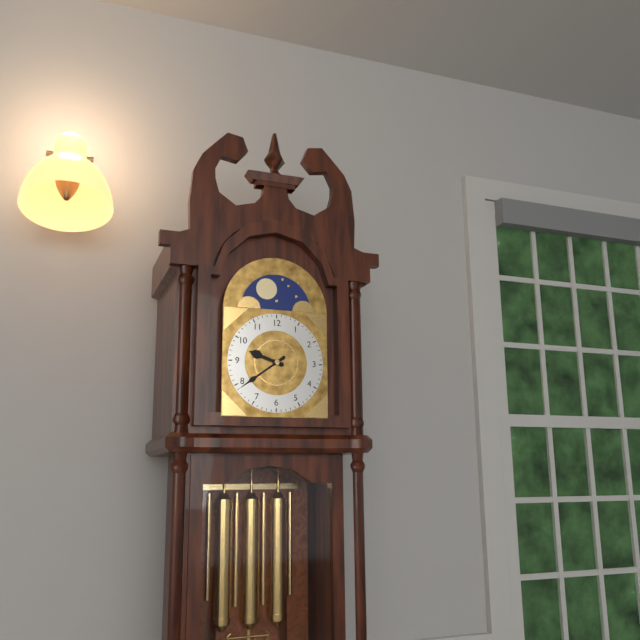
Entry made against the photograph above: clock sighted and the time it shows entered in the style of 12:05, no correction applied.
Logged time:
9:39
